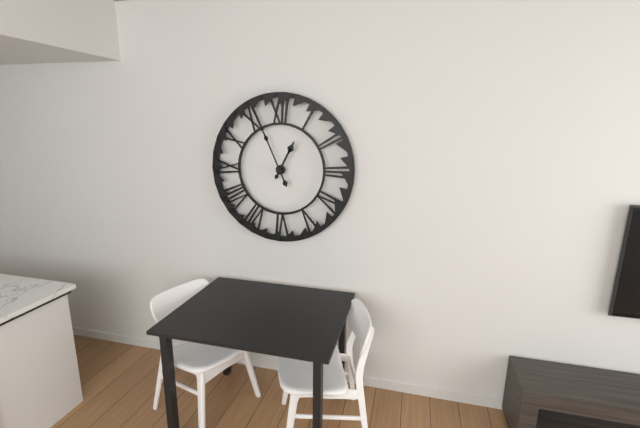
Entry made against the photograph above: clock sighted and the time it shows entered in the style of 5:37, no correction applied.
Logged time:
12:56
